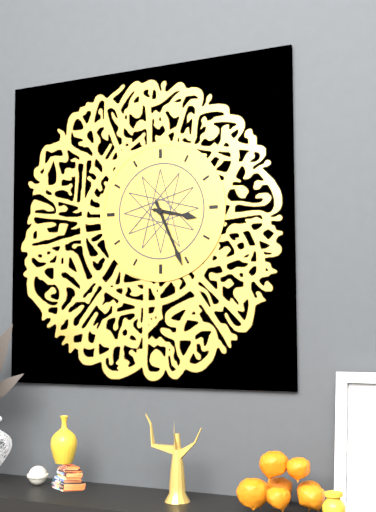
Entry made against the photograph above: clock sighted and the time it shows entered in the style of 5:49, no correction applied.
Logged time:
3:26
